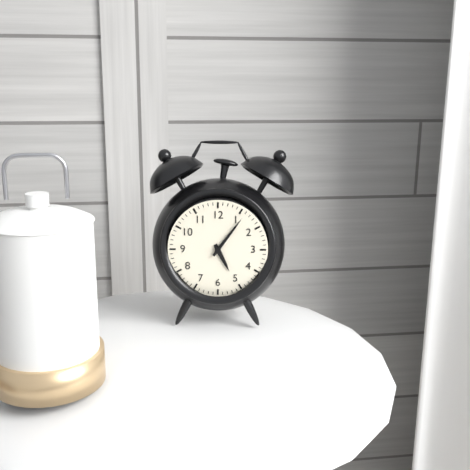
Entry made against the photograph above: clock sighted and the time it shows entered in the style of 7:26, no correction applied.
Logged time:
5:06
